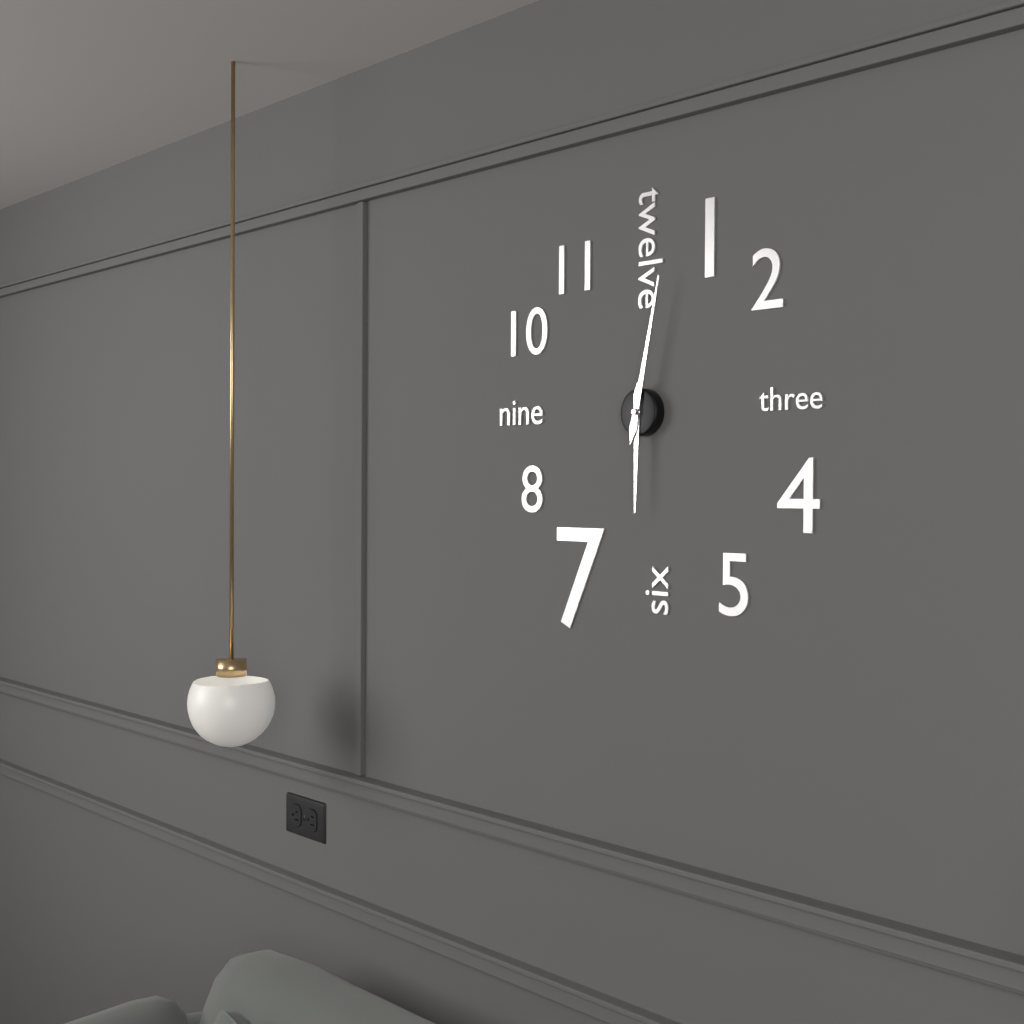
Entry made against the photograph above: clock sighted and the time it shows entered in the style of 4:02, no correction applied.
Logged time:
6:02
